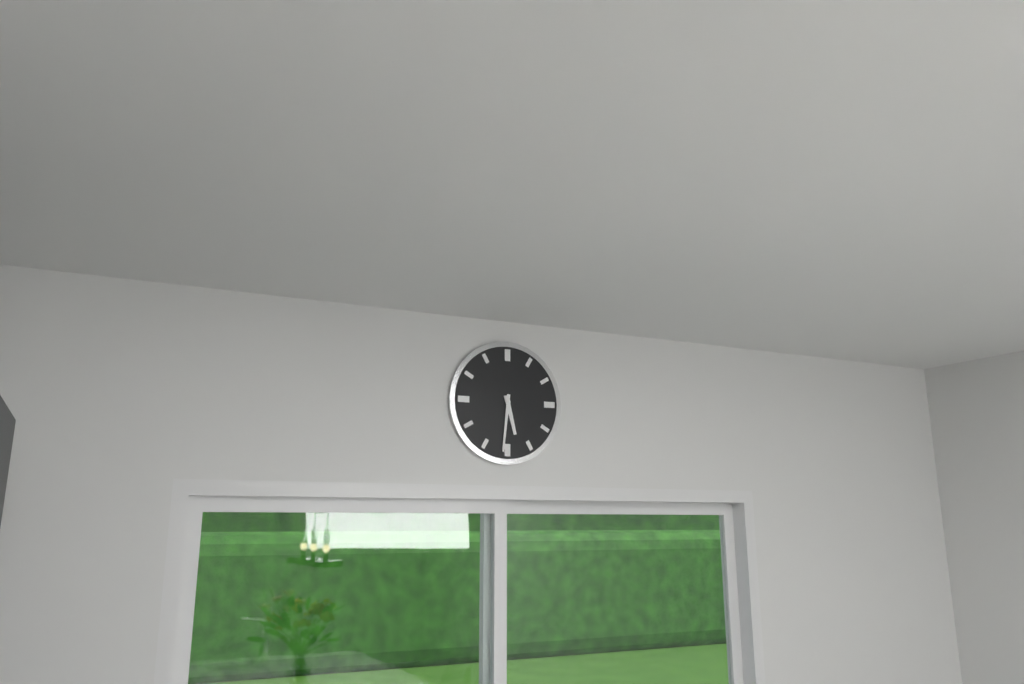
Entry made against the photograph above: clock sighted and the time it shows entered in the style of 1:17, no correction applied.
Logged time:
5:31
